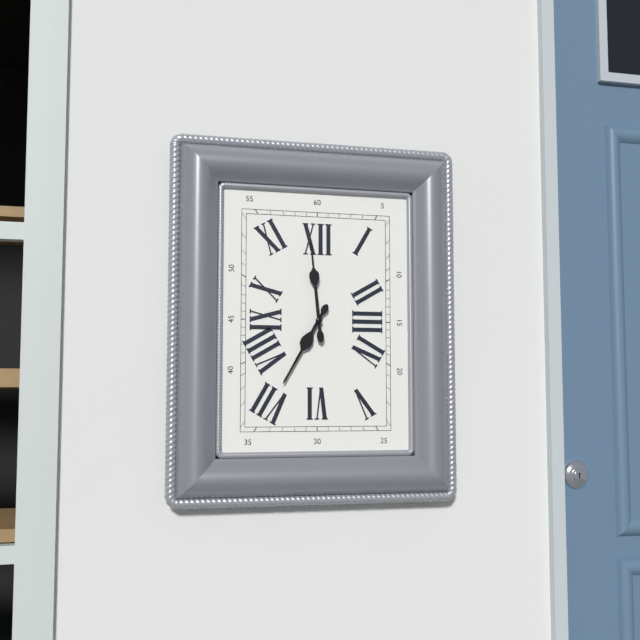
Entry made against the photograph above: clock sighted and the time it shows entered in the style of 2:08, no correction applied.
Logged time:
6:59
